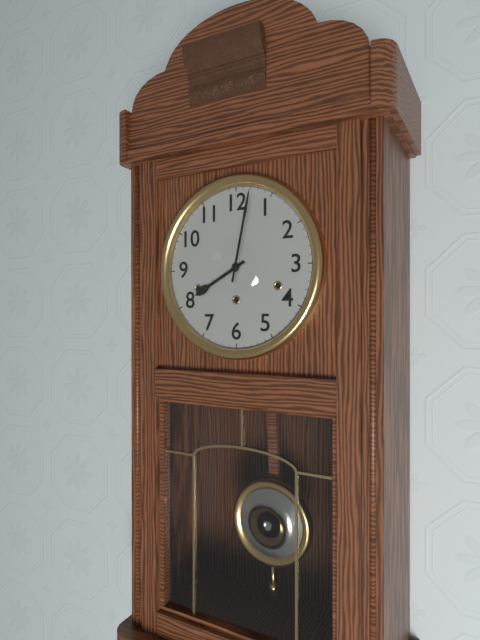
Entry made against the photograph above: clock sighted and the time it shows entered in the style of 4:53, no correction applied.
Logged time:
8:02
